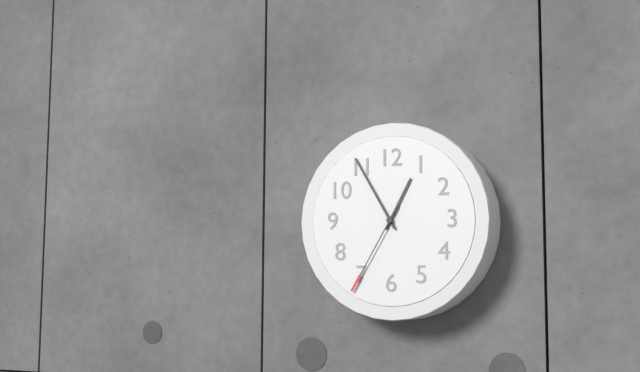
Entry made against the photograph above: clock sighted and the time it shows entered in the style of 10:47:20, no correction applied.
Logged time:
12:55:35
